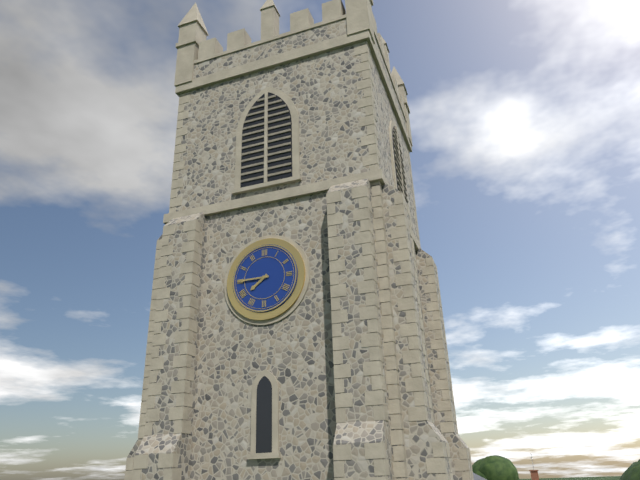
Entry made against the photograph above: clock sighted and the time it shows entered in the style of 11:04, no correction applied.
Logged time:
7:45
